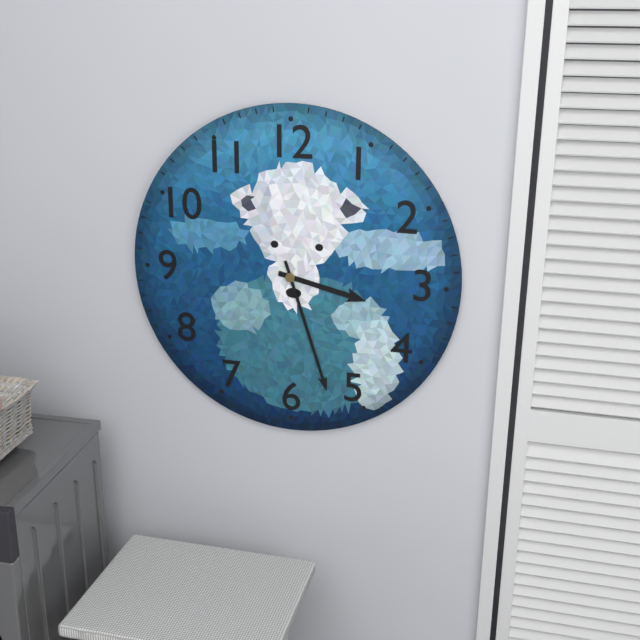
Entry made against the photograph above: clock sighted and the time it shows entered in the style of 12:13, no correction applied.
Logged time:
3:27
